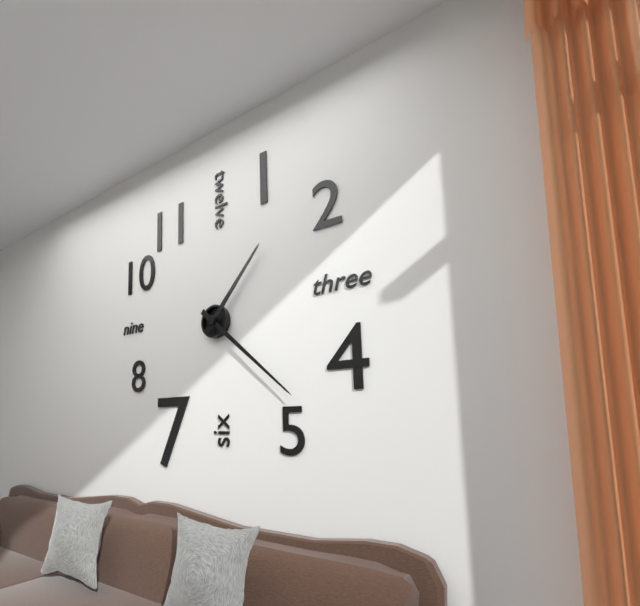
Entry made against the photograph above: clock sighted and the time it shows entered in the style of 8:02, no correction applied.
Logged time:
1:22
